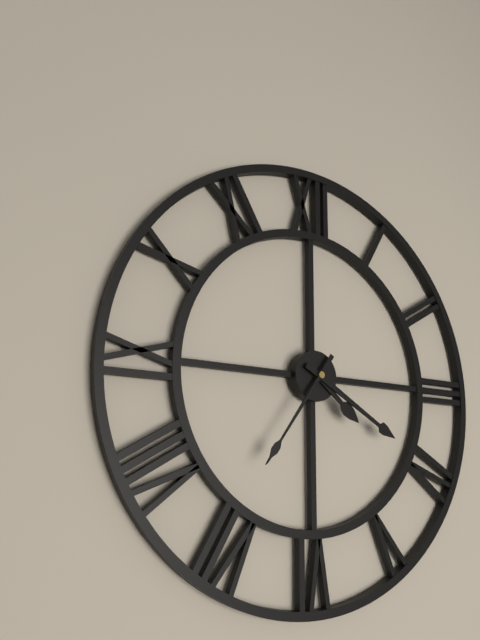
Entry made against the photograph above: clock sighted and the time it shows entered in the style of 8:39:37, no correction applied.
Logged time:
4:20:36
